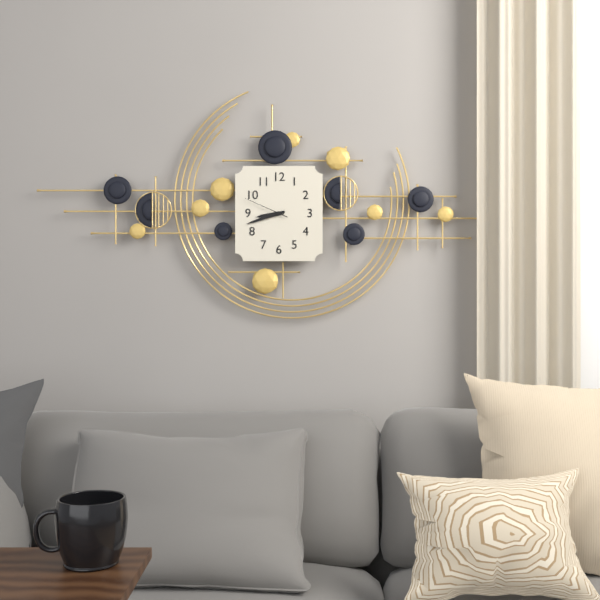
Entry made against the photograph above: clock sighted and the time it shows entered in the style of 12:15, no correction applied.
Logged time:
8:42
